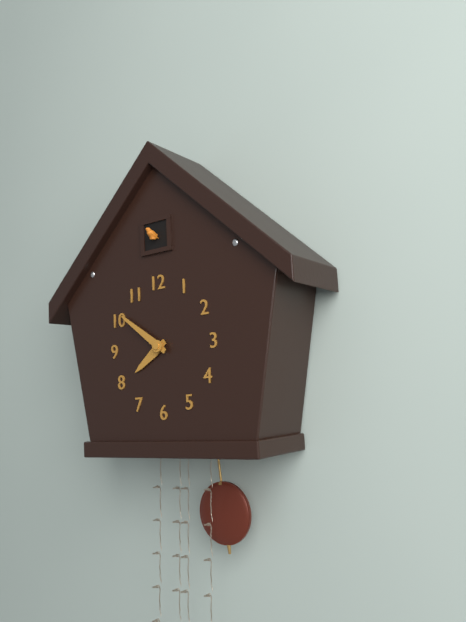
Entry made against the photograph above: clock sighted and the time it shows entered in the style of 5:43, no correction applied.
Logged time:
7:51
